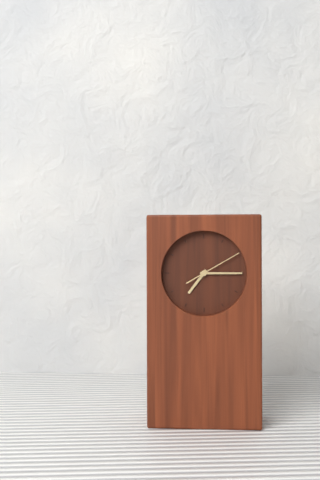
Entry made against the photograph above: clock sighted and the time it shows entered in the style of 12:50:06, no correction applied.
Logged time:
7:15:10
